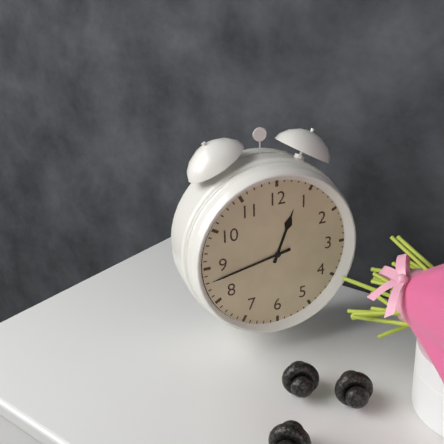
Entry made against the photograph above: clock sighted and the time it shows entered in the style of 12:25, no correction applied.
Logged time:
12:43
